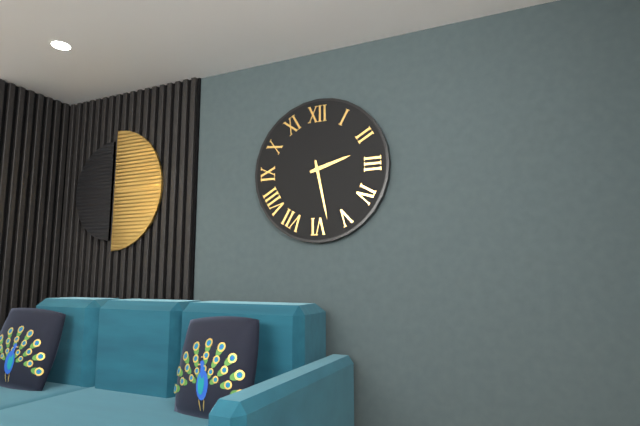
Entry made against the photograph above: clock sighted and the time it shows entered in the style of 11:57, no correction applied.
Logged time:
2:28
